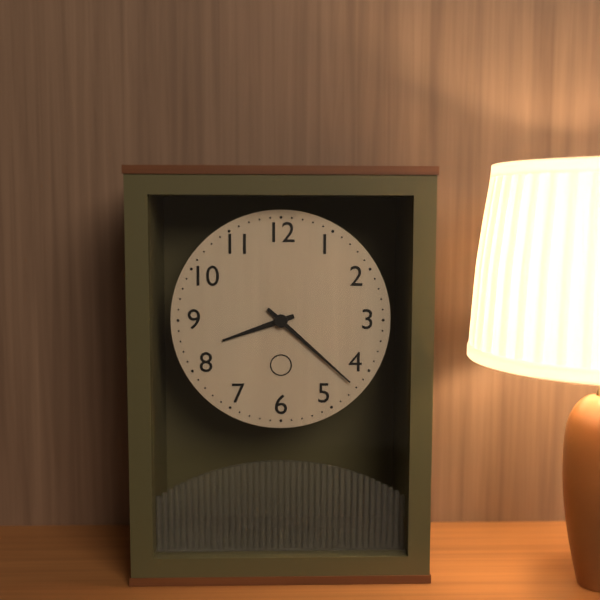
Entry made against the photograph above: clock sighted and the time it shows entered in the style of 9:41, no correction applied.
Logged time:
8:22
